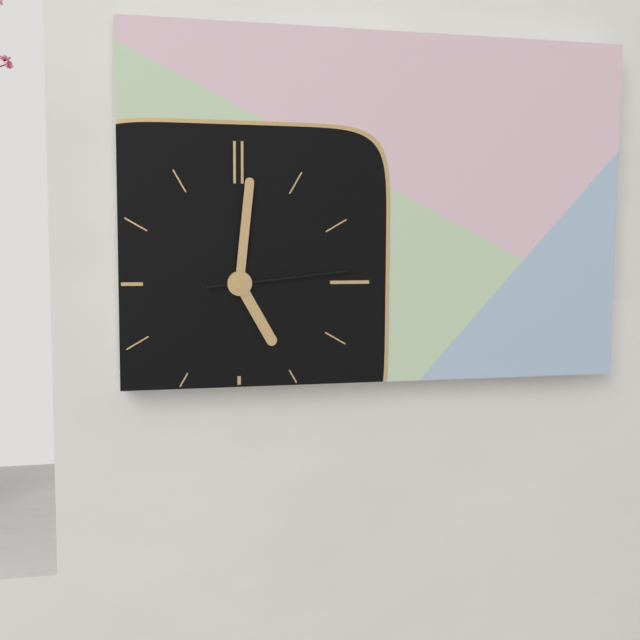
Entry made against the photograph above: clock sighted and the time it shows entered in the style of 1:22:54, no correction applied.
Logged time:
5:01:14
